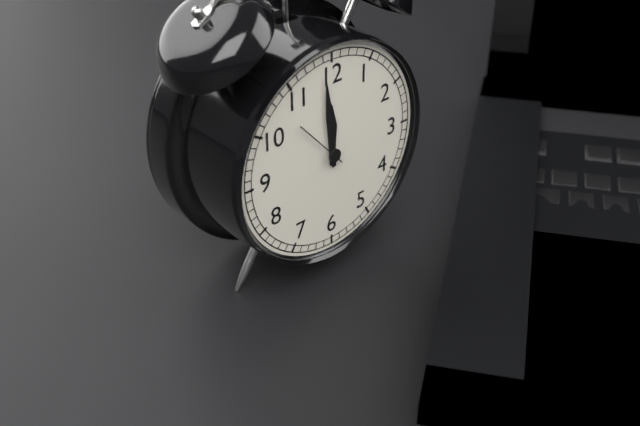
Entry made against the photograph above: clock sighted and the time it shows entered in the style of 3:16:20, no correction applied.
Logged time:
11:59:53
